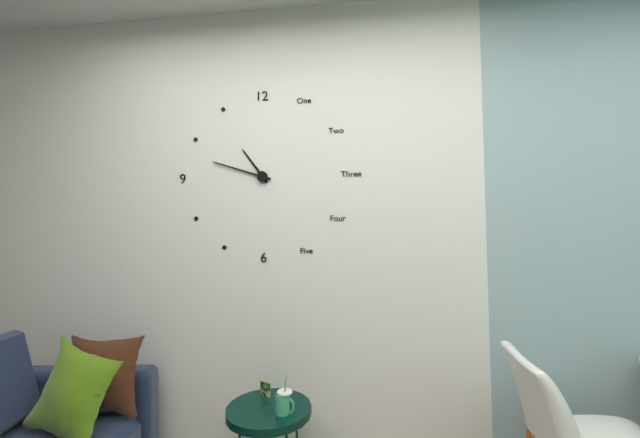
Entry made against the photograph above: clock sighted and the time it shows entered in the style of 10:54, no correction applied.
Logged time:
10:48
